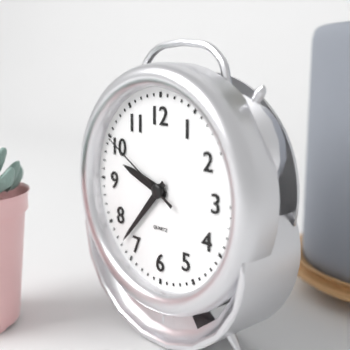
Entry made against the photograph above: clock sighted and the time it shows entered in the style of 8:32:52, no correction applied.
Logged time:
9:37:50
